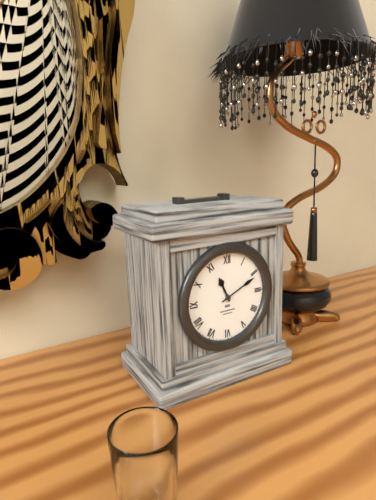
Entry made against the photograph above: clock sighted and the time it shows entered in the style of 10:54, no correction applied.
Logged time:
11:11
